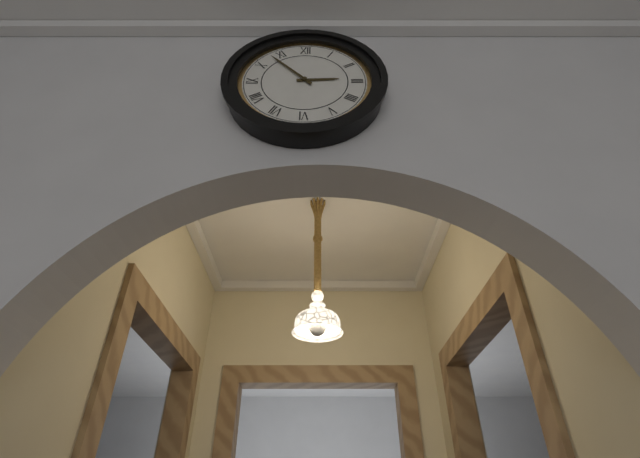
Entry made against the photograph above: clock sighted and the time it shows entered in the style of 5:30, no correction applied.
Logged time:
2:53
